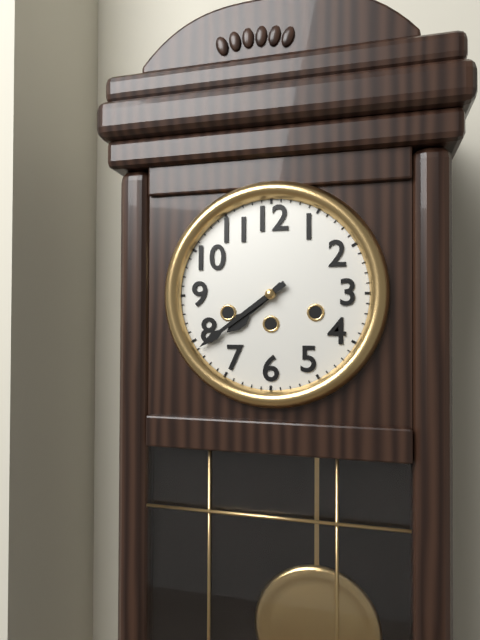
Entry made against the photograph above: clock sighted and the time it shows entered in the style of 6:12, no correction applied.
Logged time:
7:39
